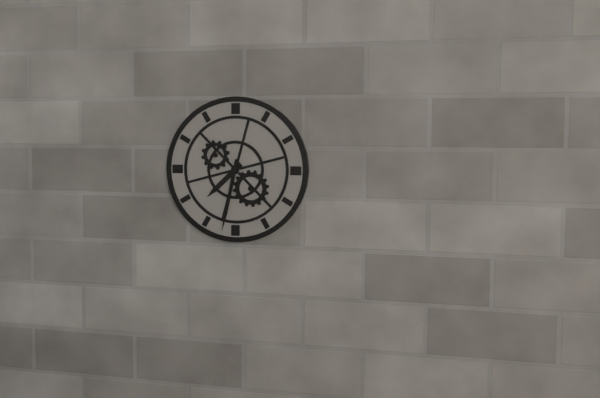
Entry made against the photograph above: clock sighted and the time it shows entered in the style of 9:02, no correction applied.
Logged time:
7:32
